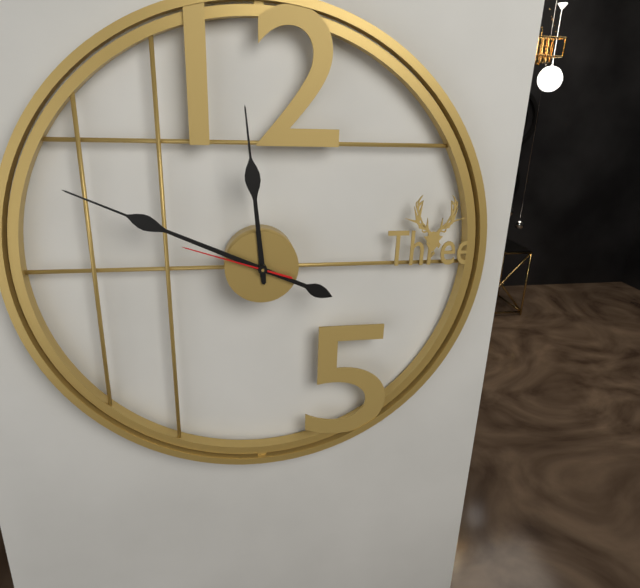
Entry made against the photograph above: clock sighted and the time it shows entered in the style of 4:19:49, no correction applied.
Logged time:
11:49:48
